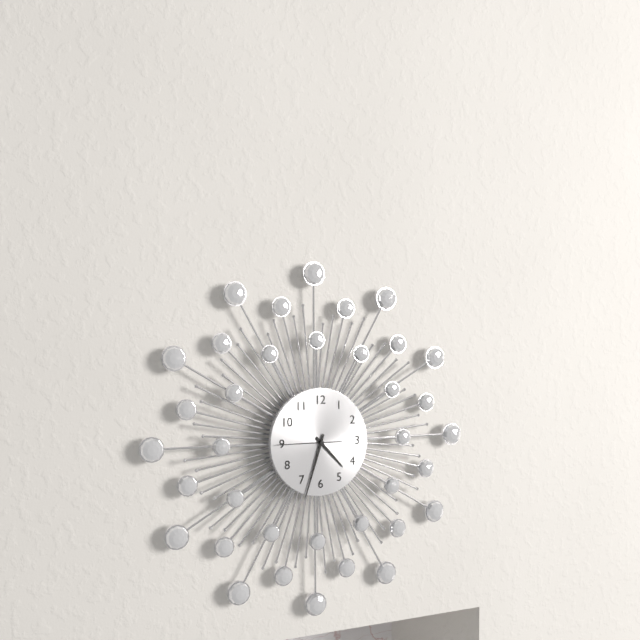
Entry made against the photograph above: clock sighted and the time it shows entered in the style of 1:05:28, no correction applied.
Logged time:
4:33:45
